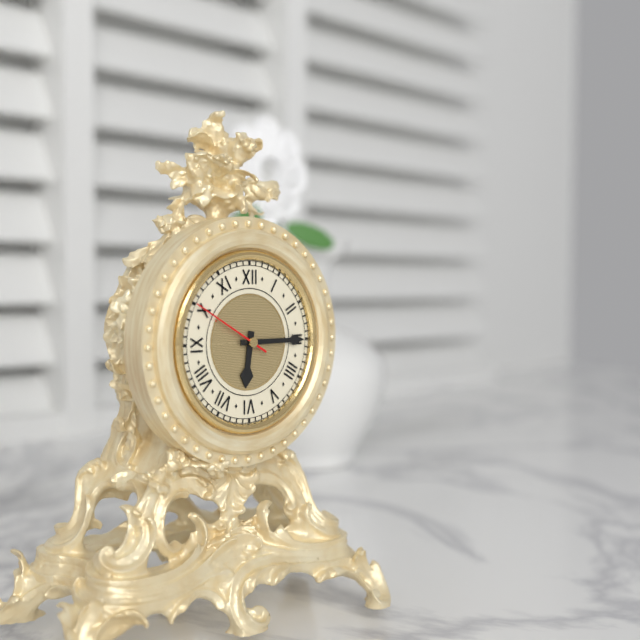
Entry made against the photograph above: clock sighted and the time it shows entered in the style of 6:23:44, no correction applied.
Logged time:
6:15:50
